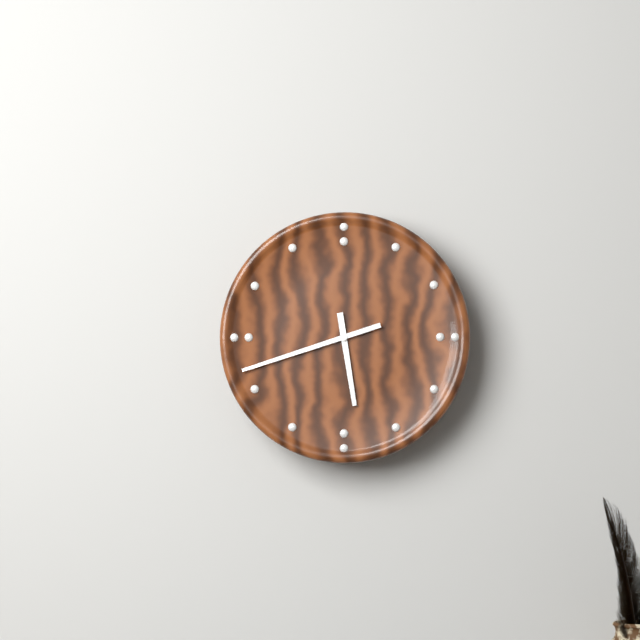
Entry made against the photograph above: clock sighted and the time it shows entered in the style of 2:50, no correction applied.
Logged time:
5:42
